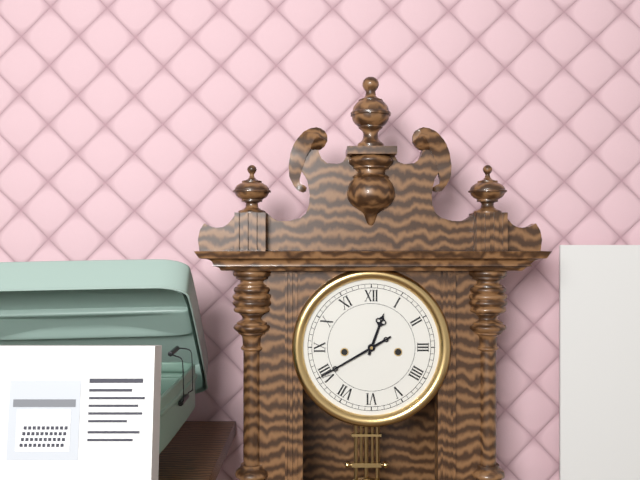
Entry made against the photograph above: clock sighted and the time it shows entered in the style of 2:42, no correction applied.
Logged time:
12:40
